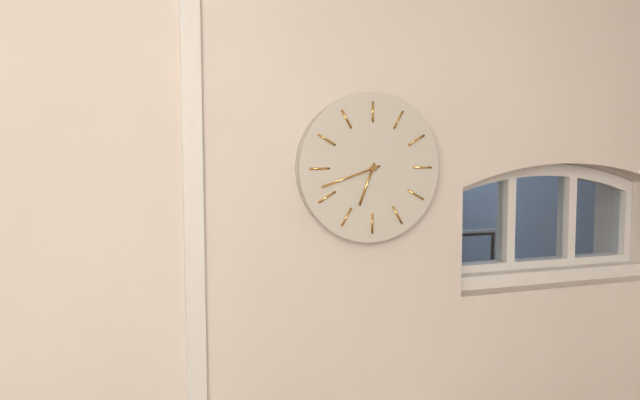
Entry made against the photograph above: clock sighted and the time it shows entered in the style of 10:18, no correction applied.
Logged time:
6:42
